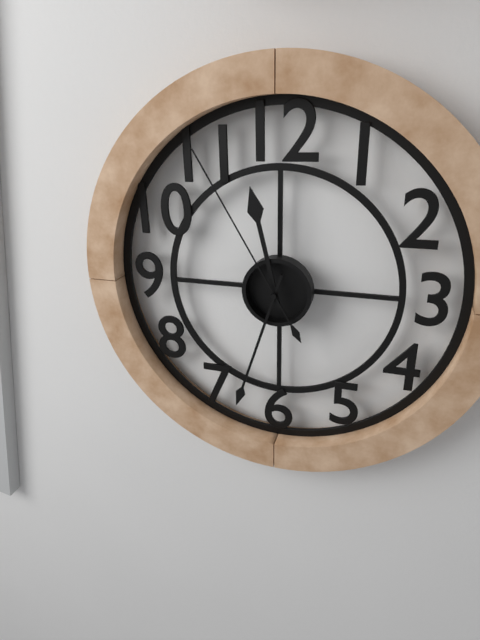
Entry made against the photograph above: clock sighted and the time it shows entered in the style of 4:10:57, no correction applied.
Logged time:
11:33:55
